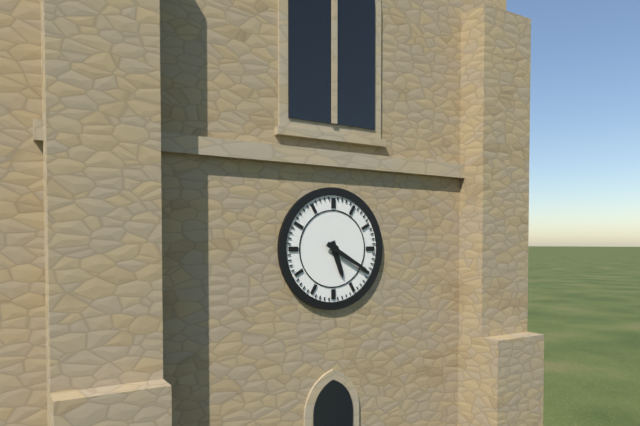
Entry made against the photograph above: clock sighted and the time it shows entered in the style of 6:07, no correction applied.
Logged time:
5:20
